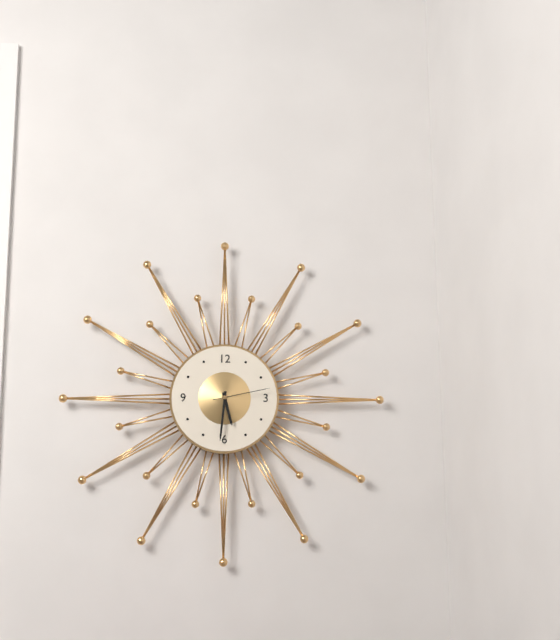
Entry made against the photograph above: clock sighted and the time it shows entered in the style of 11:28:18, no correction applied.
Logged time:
5:31:13
